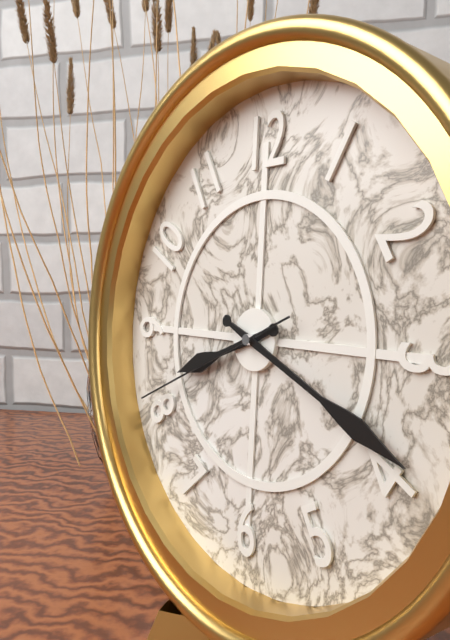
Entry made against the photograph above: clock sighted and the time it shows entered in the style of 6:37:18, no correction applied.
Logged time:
8:19:41
